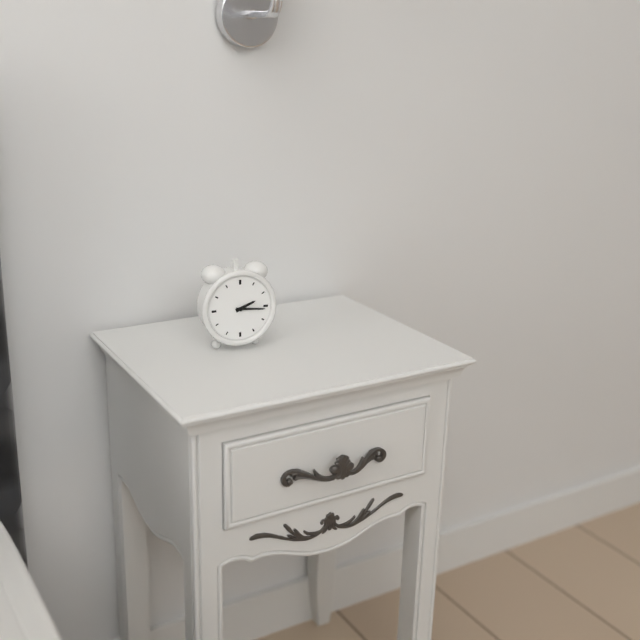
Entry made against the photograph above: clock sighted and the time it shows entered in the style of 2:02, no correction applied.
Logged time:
2:16
